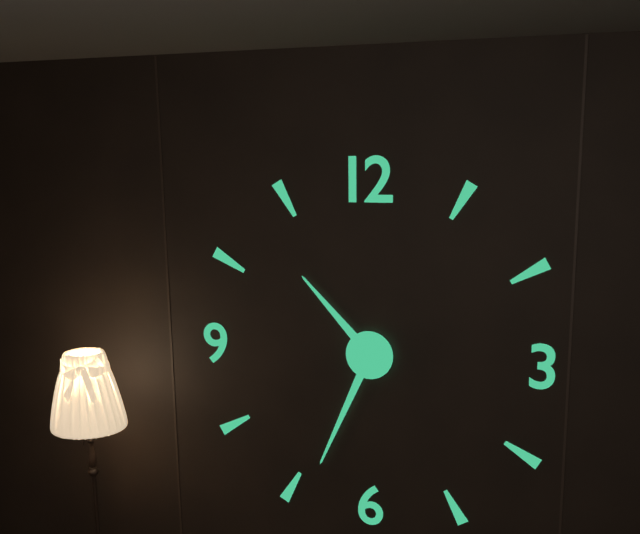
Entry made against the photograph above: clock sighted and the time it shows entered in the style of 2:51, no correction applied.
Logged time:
10:34
